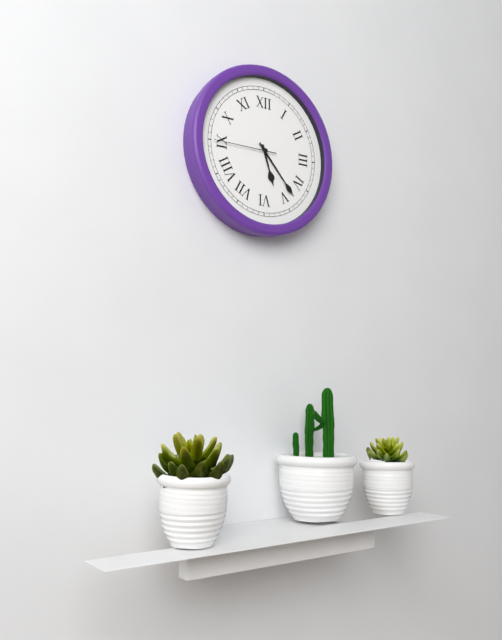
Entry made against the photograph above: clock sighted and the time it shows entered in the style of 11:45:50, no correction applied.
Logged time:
5:23:45
